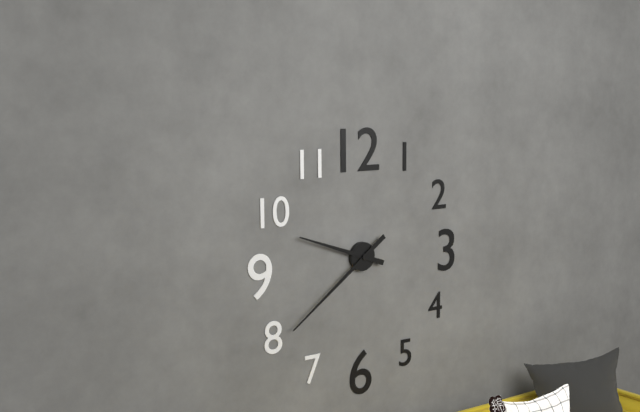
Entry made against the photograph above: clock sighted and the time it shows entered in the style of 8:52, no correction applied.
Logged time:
9:39
